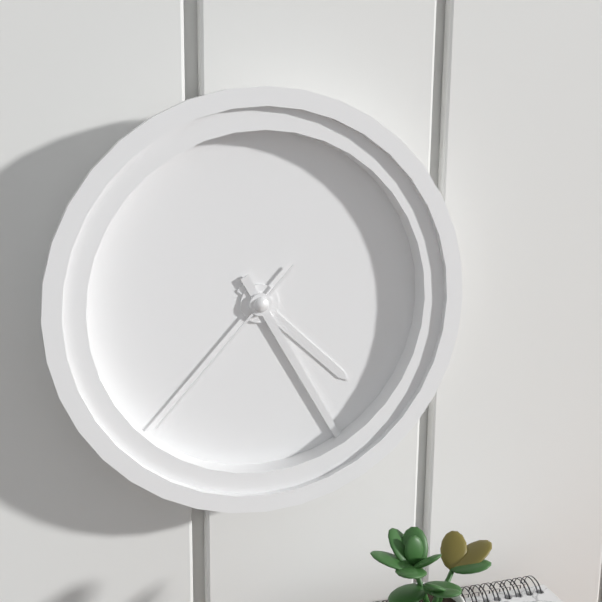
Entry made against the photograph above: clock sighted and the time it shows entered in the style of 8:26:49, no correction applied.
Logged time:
4:25:37
